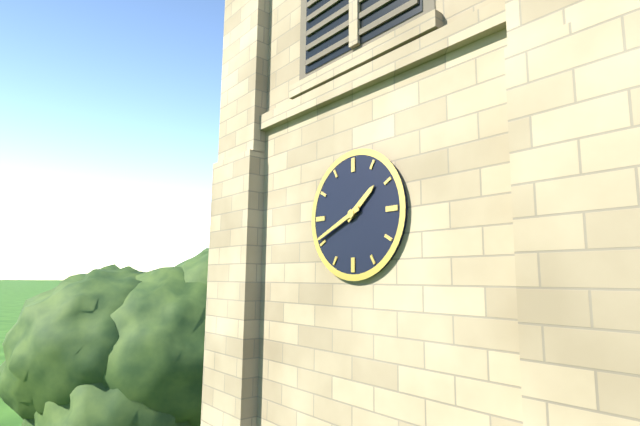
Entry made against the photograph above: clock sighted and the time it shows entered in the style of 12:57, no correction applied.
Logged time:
1:41
